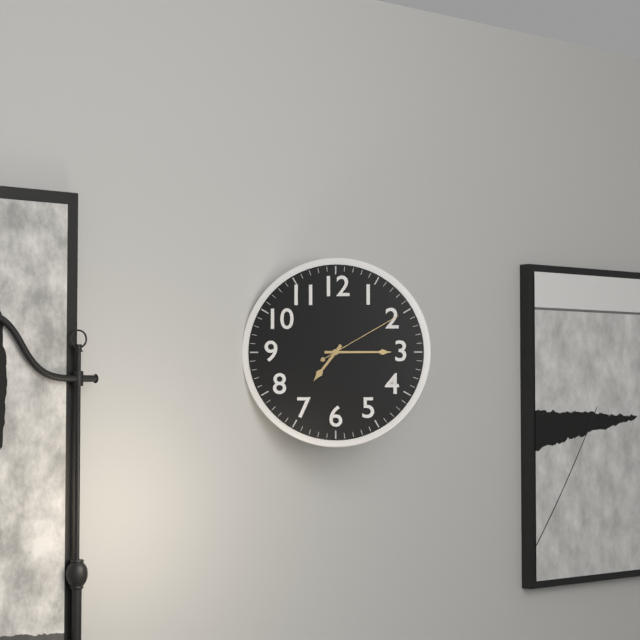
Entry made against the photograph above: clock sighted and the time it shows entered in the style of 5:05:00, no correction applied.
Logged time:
7:15:10
